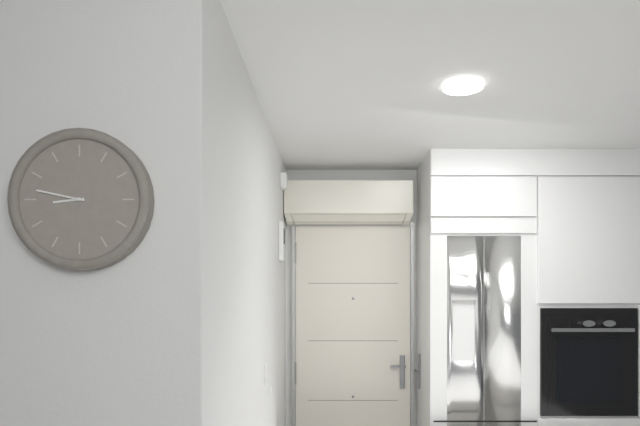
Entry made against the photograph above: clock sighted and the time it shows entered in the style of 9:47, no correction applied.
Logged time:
8:47
